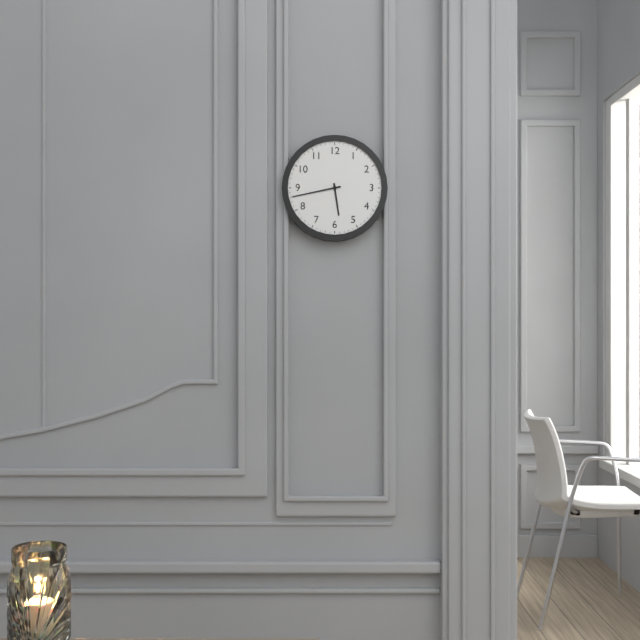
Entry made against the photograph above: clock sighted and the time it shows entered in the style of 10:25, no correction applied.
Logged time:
5:43
